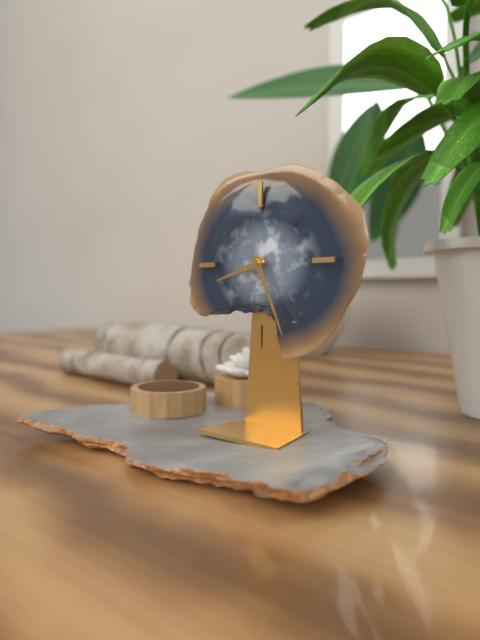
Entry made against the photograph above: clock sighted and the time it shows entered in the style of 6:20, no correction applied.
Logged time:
8:26
